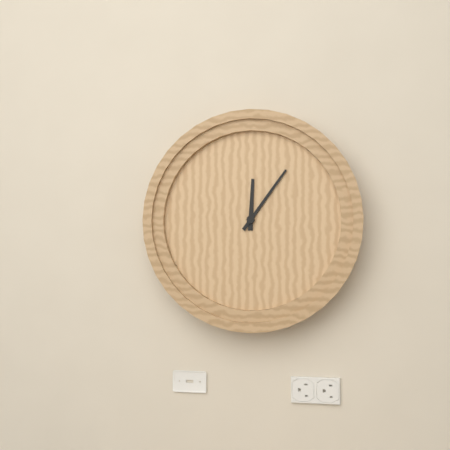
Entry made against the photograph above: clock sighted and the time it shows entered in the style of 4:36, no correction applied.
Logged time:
12:06
